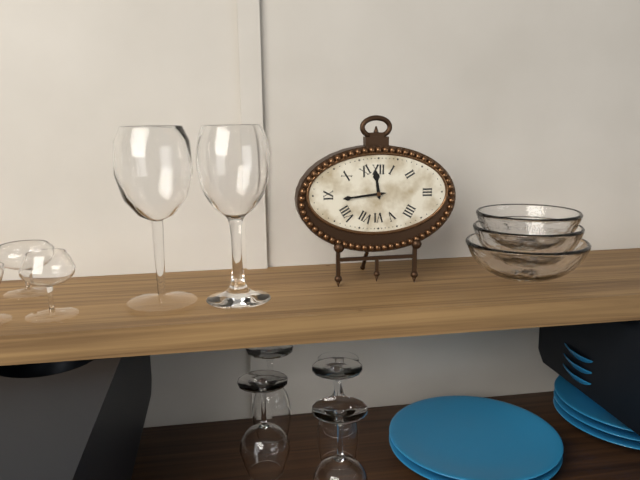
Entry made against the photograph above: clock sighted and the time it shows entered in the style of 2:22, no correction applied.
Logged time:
11:44
